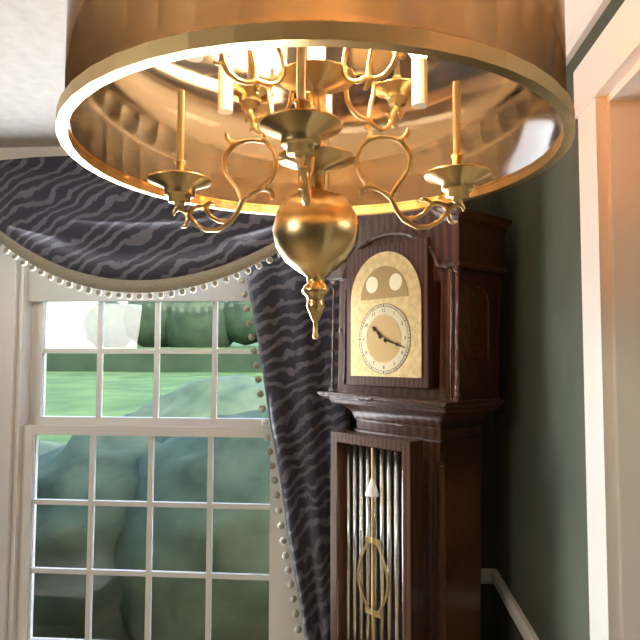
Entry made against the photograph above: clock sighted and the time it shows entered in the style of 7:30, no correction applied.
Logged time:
10:18
